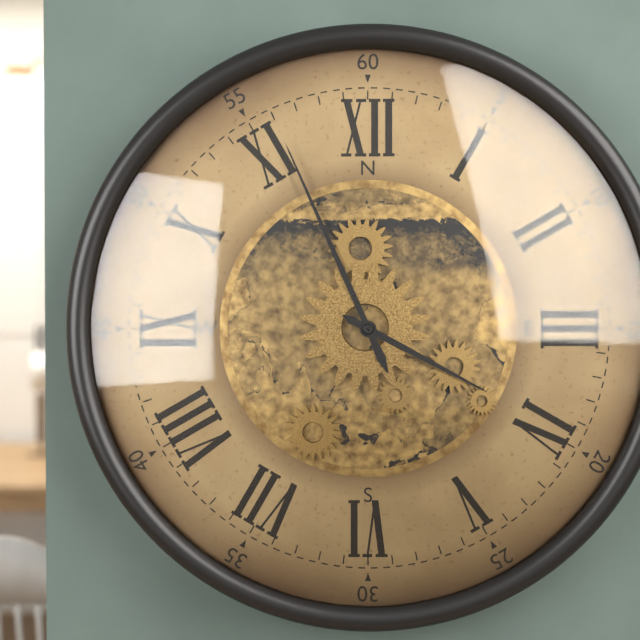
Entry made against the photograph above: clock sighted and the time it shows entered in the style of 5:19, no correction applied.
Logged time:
3:56
